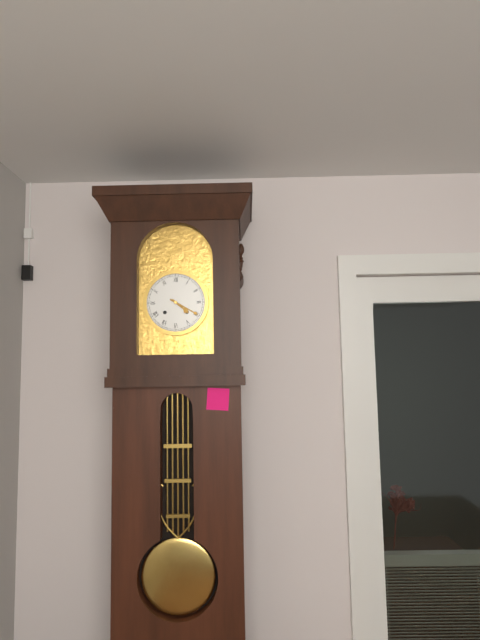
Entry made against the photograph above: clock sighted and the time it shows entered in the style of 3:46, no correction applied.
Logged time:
4:20
